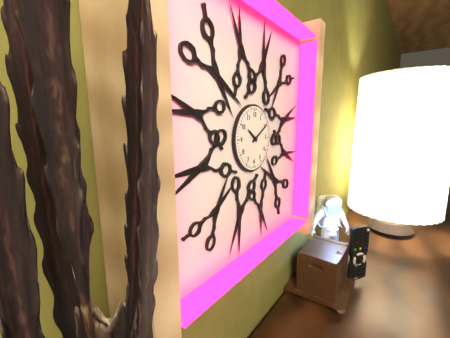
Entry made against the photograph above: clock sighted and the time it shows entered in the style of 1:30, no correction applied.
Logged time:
10:10
